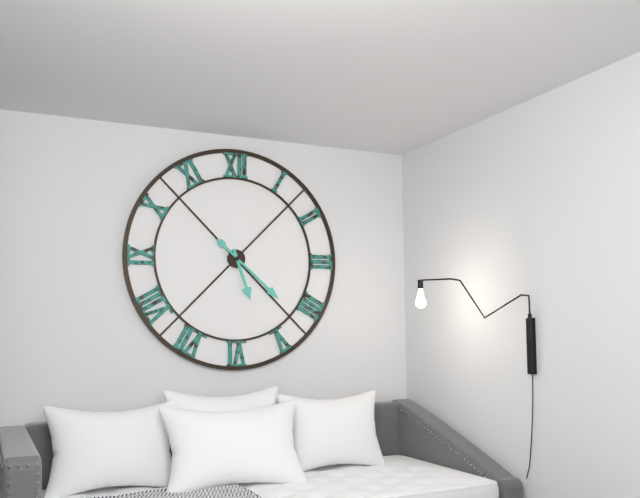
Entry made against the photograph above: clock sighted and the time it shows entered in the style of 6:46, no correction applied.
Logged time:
5:22
